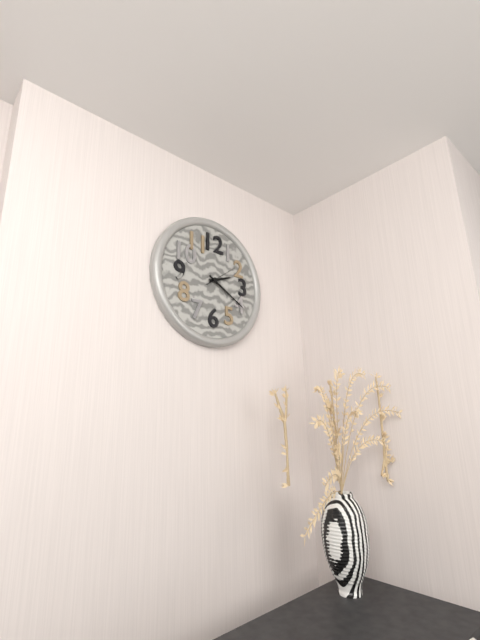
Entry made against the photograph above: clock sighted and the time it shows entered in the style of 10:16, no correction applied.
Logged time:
2:20
